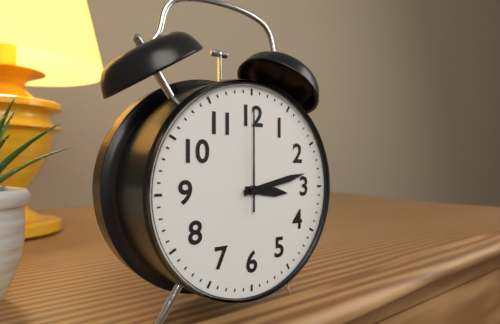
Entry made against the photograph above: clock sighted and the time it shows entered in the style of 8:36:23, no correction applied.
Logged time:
3:13:00
